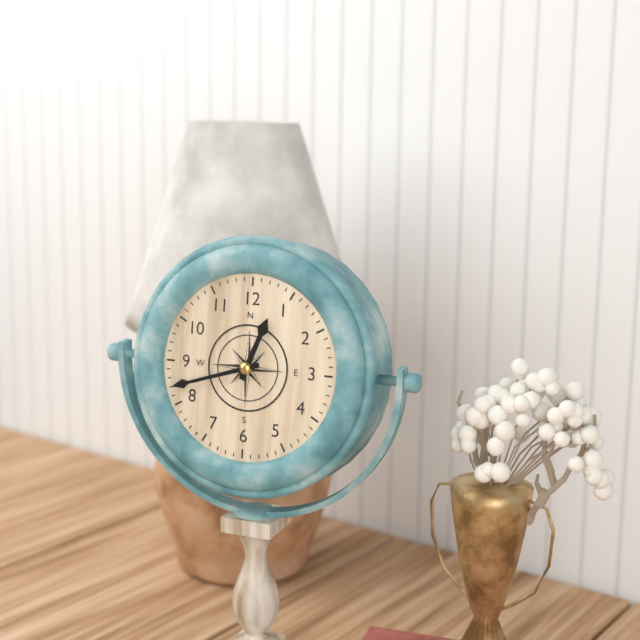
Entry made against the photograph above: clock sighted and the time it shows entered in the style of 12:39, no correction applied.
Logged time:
12:42
